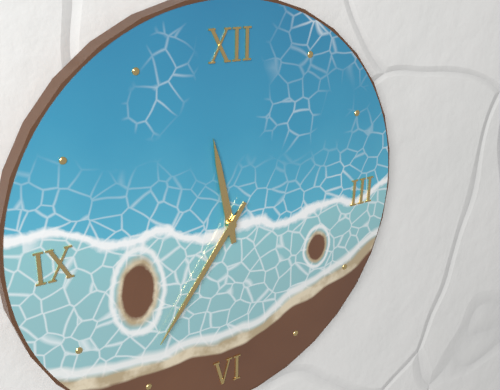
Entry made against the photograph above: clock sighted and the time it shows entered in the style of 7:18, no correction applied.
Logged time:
11:36
